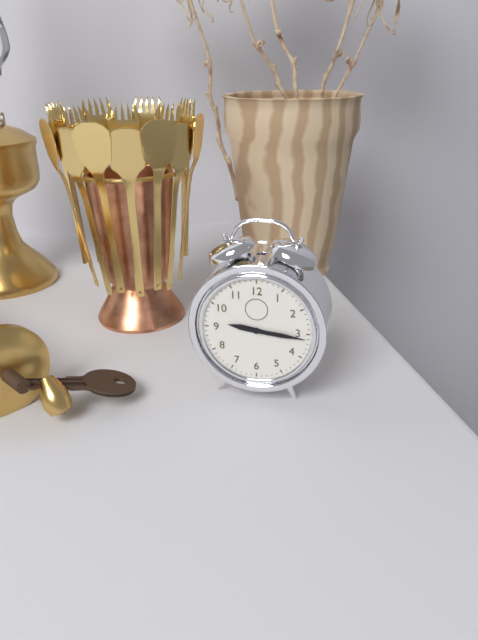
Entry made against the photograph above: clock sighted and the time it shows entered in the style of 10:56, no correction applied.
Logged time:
9:16
